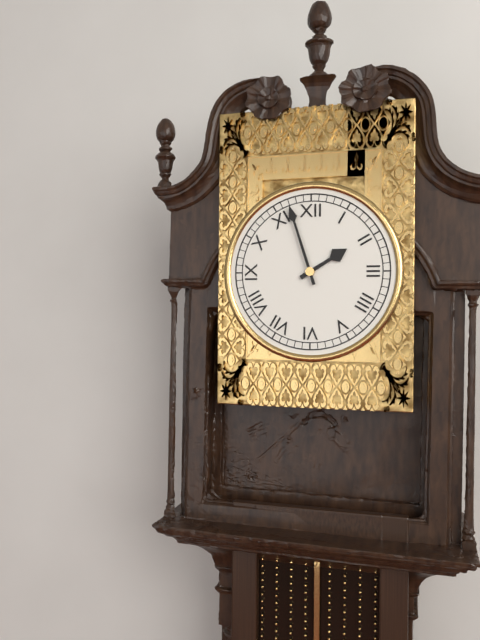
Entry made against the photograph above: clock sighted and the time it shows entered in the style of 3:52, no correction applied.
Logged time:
1:57
